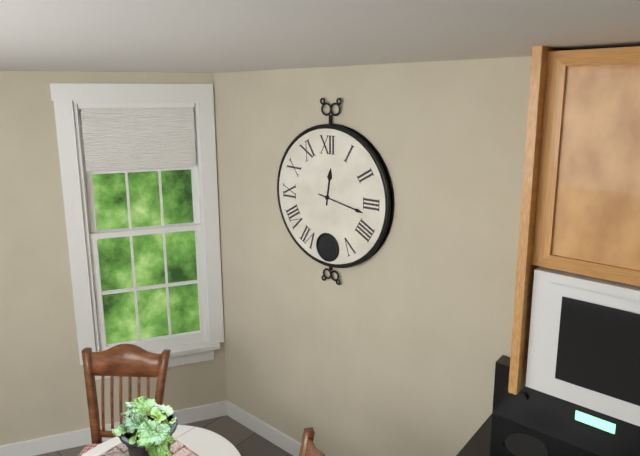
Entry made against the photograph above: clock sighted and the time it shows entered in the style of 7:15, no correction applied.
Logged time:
12:17
